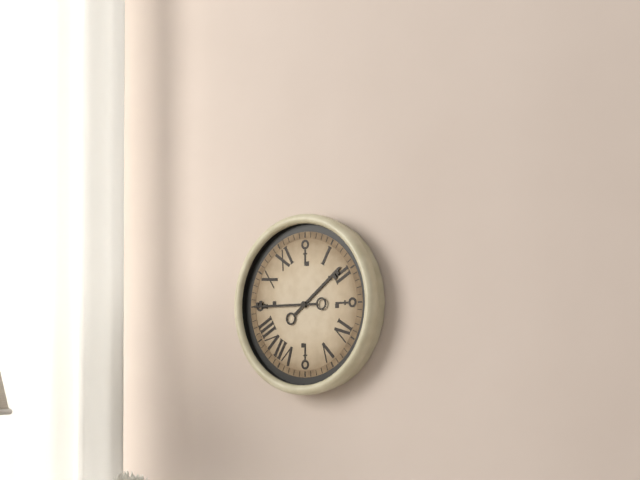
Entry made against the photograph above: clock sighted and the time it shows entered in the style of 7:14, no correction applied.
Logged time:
1:45
